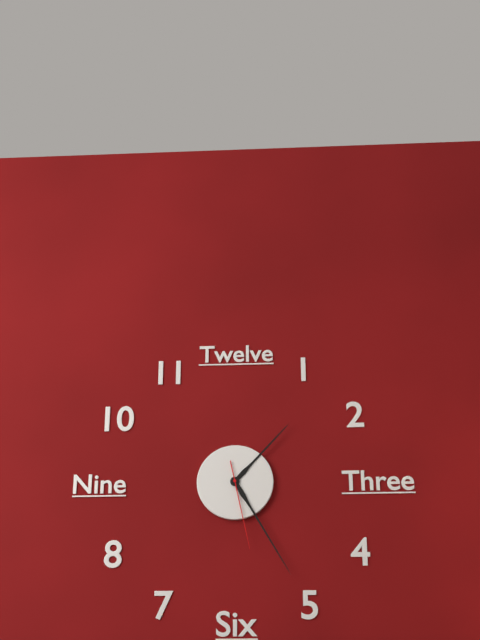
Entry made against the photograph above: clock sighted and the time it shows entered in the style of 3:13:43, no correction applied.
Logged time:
1:25:28
